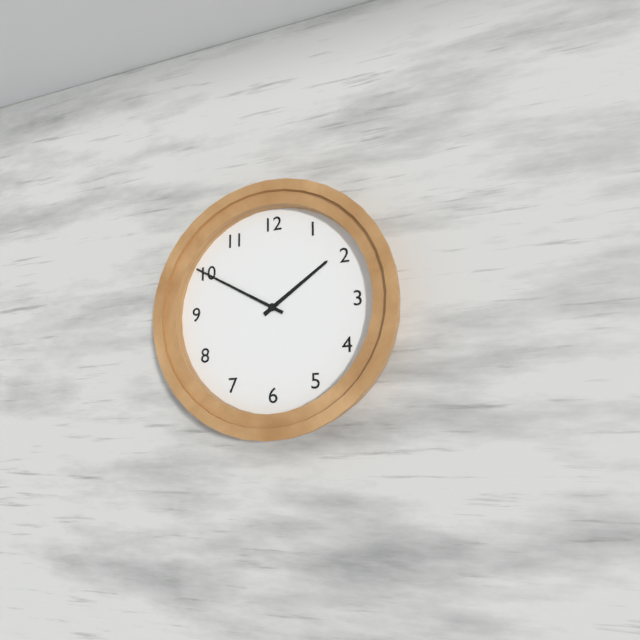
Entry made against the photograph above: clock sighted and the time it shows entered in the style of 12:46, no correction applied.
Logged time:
1:50
